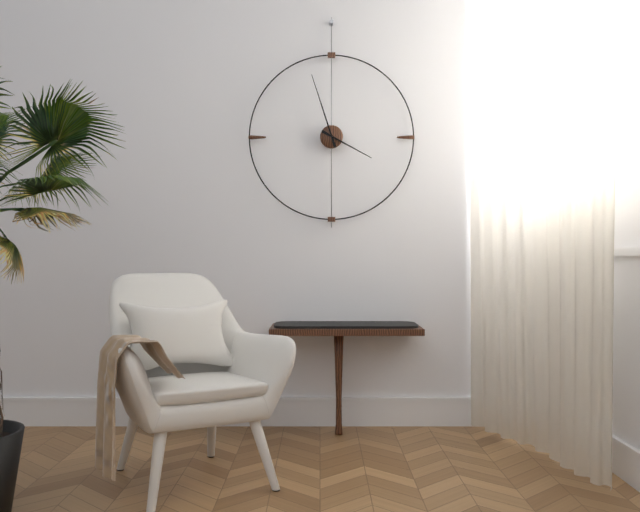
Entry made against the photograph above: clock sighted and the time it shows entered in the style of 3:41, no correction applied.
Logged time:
3:57
